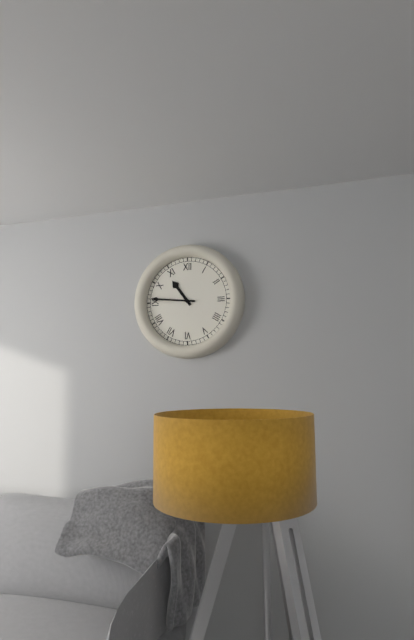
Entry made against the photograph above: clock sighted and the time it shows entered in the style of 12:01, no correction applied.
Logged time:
10:46
